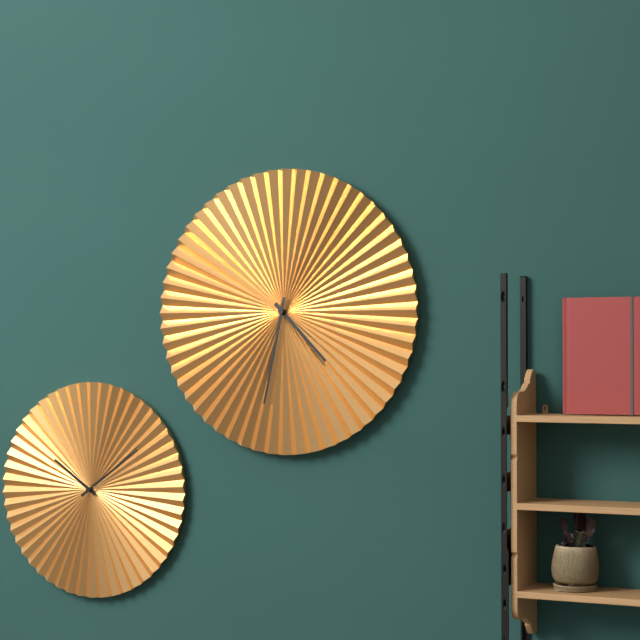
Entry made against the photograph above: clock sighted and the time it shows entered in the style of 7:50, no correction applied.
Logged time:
4:32
